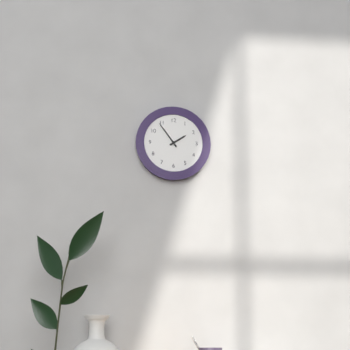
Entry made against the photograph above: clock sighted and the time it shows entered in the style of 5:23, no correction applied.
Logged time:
1:54
